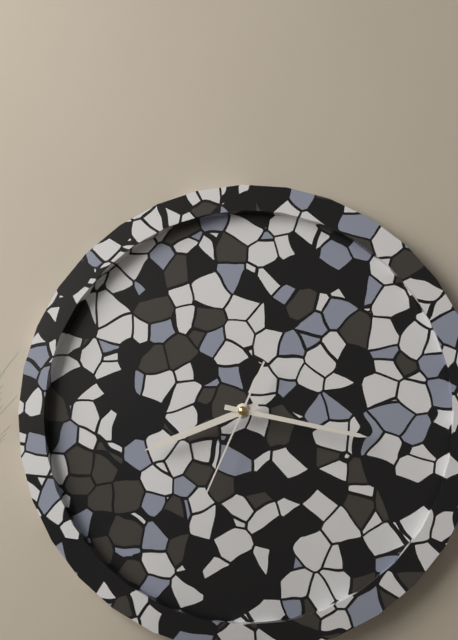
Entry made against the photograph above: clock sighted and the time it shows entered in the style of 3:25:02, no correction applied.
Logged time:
8:17:34
